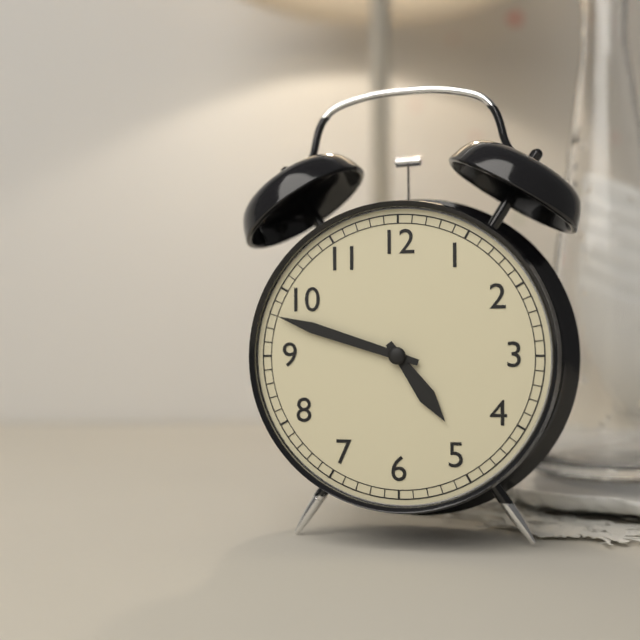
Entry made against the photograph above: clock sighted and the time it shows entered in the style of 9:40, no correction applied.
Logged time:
4:48
